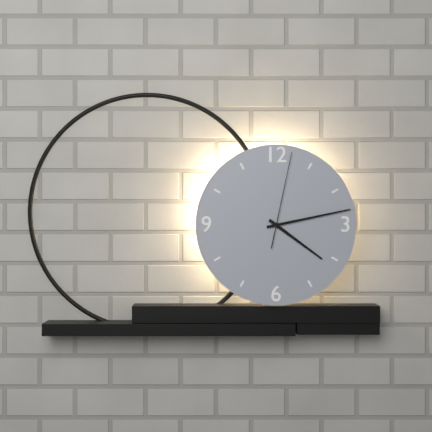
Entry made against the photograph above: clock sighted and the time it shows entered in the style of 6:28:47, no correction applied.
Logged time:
4:13:02
